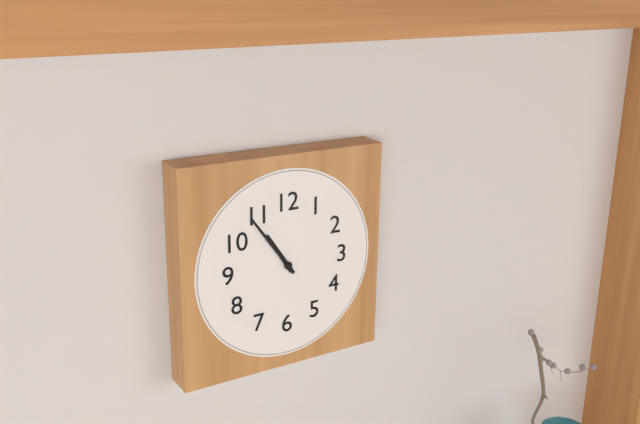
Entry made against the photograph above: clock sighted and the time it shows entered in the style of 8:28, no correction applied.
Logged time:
10:54
